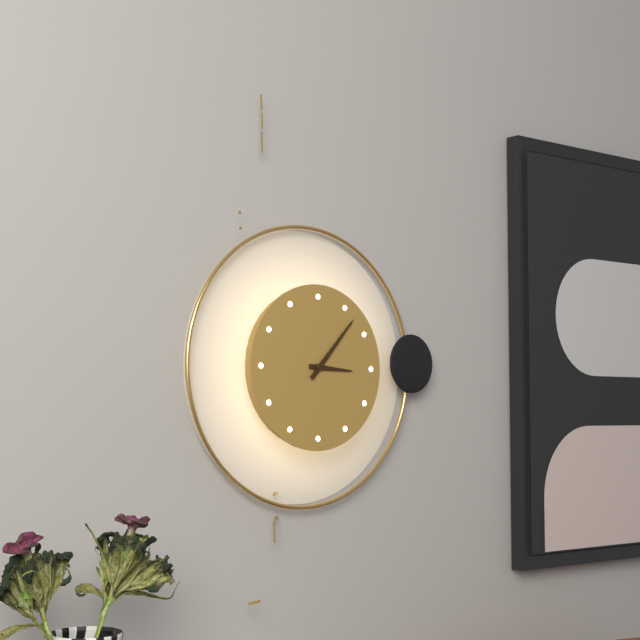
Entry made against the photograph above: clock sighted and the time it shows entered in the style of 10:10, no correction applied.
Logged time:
3:07
